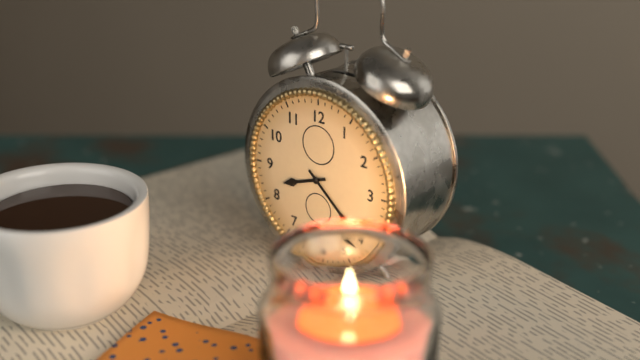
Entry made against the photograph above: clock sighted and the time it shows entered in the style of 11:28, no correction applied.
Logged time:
8:22
